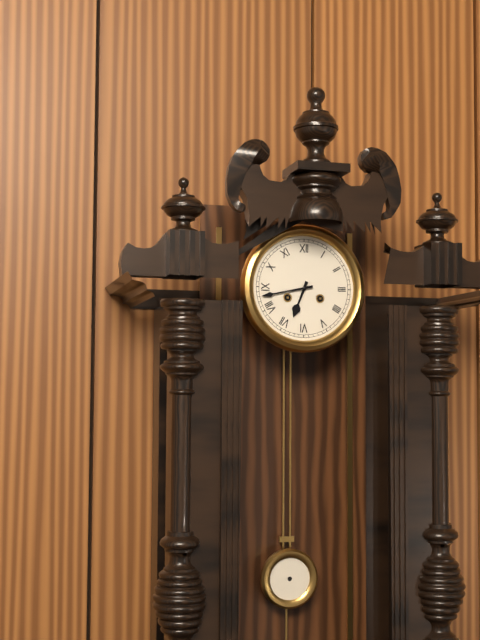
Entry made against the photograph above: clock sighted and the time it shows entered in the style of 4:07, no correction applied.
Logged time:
6:43
